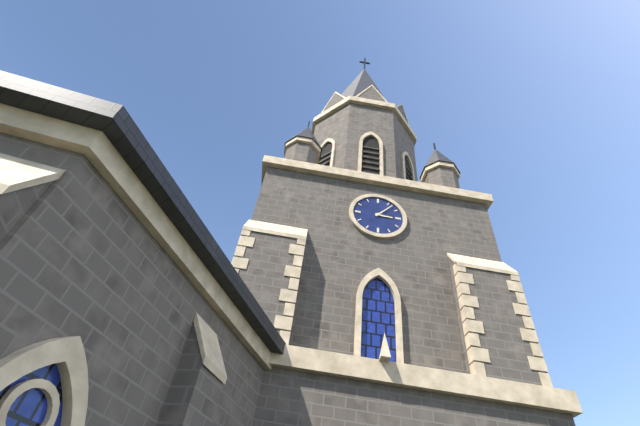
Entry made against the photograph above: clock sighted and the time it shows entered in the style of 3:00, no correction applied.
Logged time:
3:07
